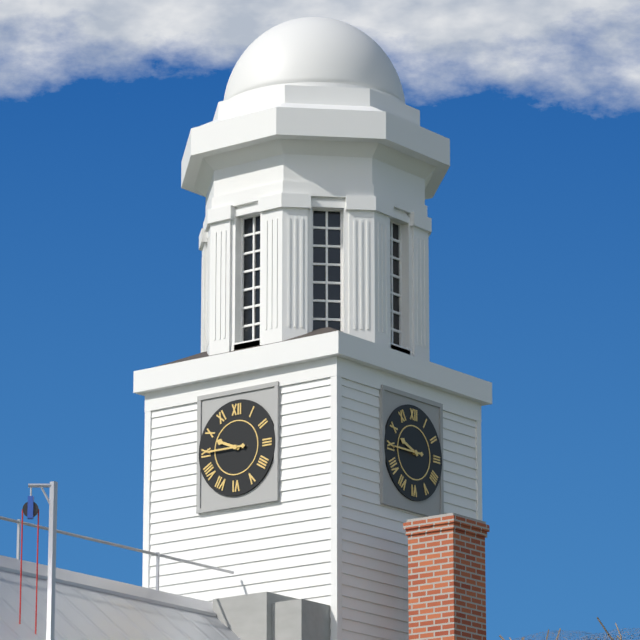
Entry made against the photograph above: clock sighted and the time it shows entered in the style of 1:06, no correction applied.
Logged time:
9:45
